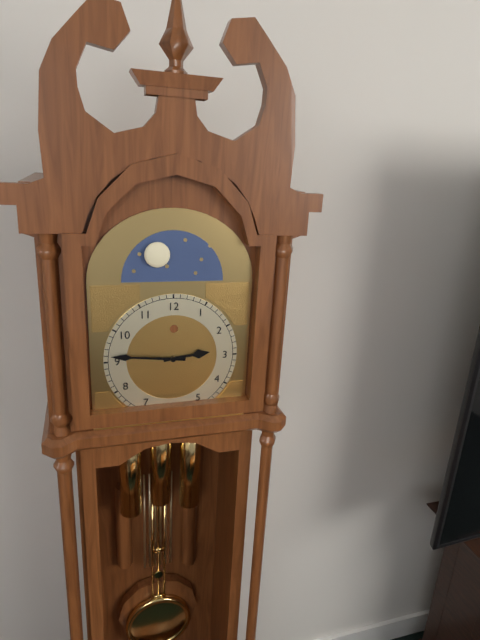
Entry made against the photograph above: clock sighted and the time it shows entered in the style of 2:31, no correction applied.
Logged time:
2:46
